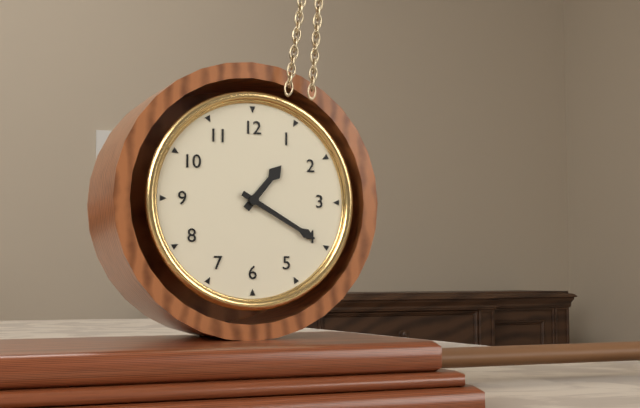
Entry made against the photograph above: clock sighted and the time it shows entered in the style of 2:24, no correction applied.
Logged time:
1:20
